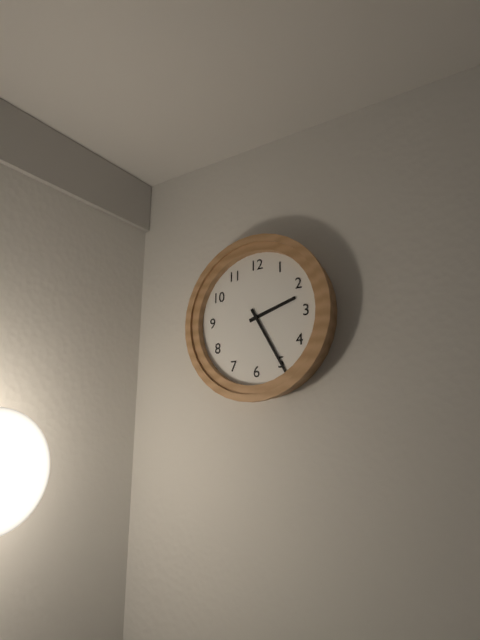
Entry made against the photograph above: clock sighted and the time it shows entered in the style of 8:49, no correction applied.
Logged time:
2:25
